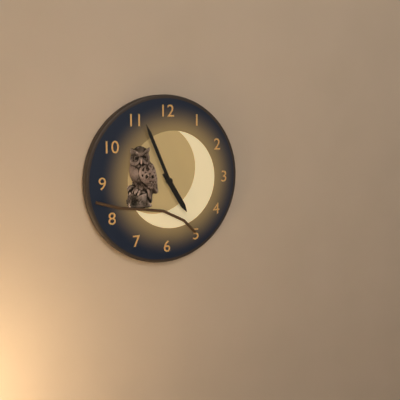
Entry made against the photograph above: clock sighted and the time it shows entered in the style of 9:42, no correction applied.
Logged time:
4:56
